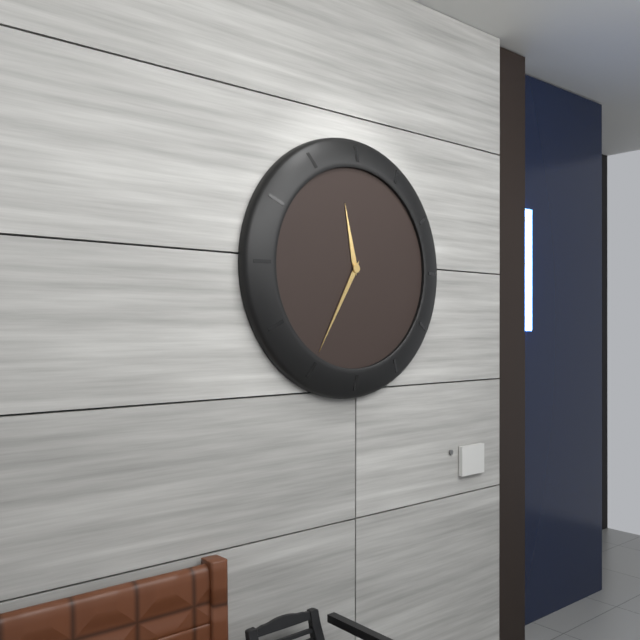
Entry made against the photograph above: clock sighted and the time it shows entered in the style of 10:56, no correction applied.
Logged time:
11:35
